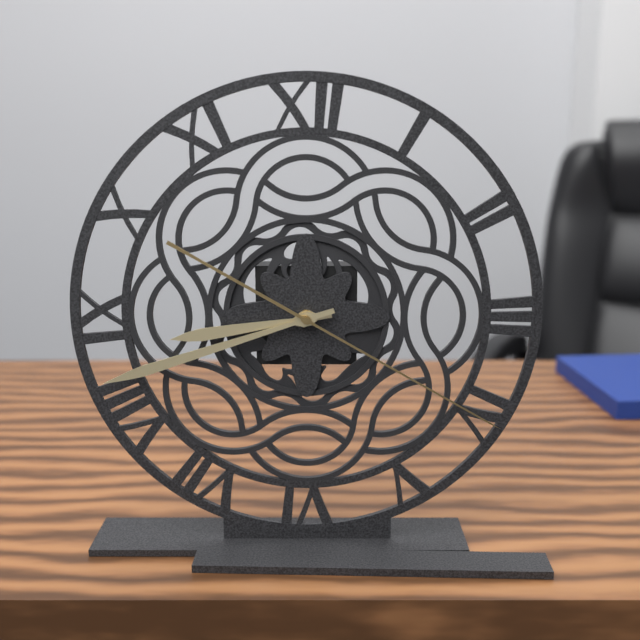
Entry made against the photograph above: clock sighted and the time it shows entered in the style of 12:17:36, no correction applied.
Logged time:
8:42:20
